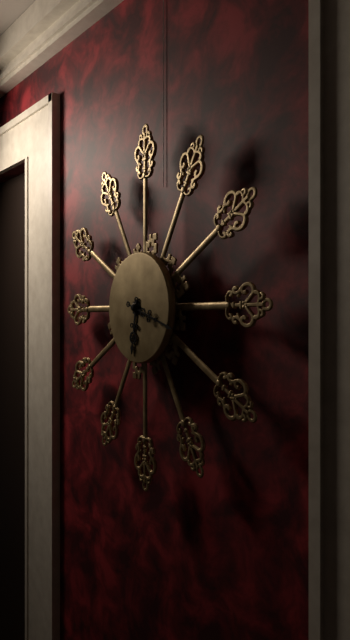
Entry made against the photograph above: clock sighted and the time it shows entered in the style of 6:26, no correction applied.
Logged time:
6:18
